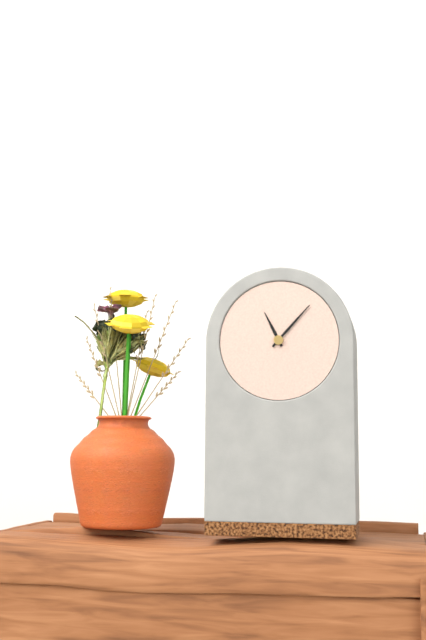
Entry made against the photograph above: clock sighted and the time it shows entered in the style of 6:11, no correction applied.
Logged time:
11:07
